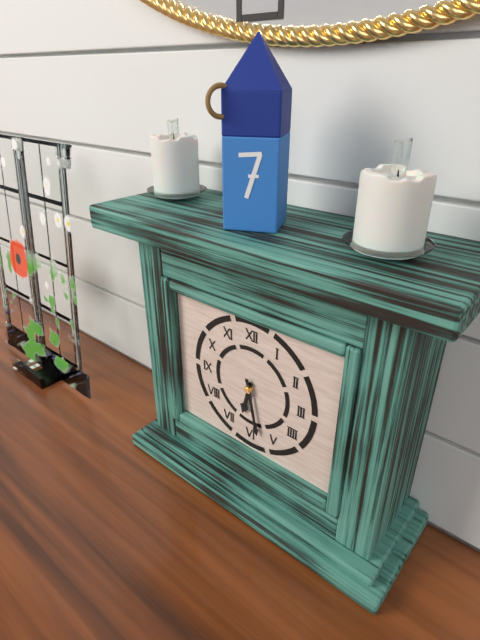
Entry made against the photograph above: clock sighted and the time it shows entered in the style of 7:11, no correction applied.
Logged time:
6:28
